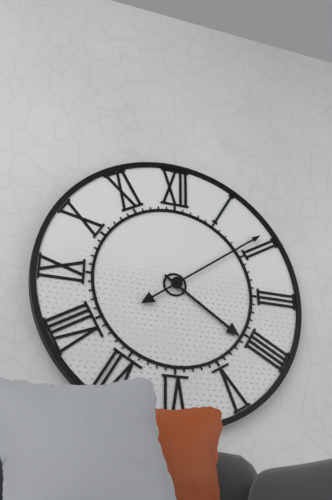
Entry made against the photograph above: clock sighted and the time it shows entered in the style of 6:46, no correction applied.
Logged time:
4:09
